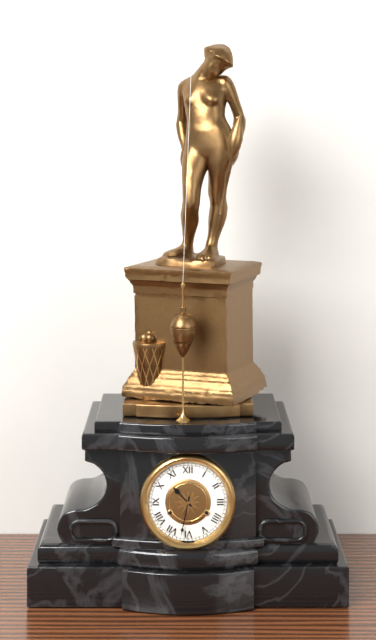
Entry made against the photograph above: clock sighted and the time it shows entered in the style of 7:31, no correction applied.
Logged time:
10:32
